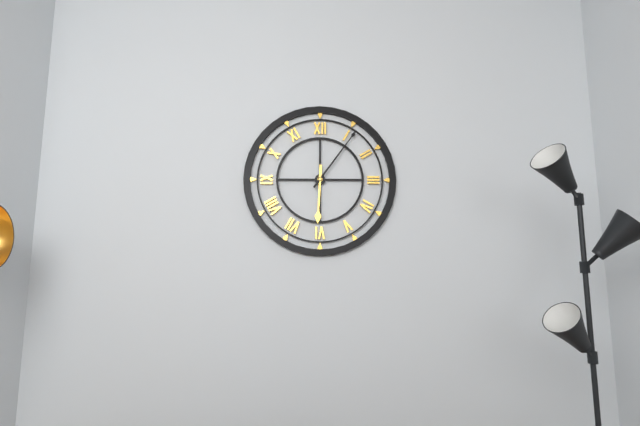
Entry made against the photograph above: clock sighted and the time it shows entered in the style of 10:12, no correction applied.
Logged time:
6:06
